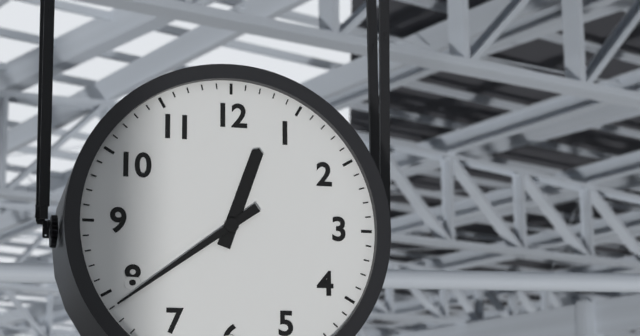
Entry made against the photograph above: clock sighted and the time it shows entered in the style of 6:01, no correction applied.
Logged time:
12:39
